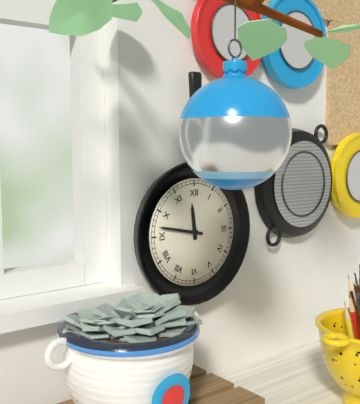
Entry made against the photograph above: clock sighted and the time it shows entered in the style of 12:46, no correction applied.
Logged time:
11:47
